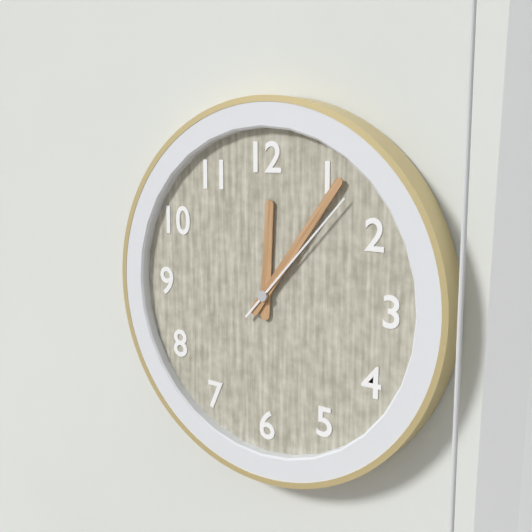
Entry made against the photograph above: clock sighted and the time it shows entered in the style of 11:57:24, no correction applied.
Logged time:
12:06:07
